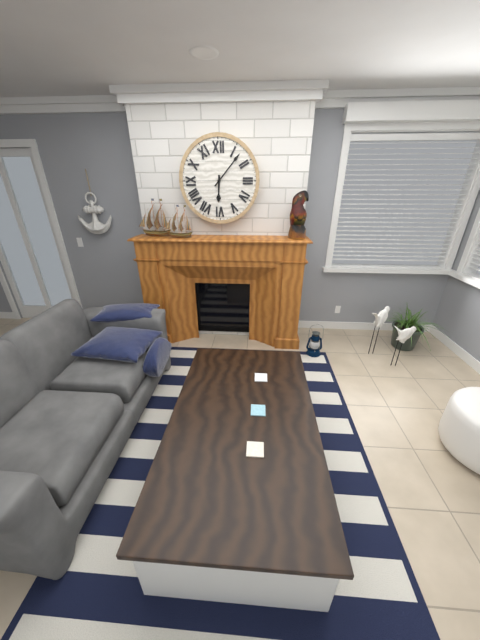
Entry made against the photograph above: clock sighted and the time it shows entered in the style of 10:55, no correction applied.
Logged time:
6:07
